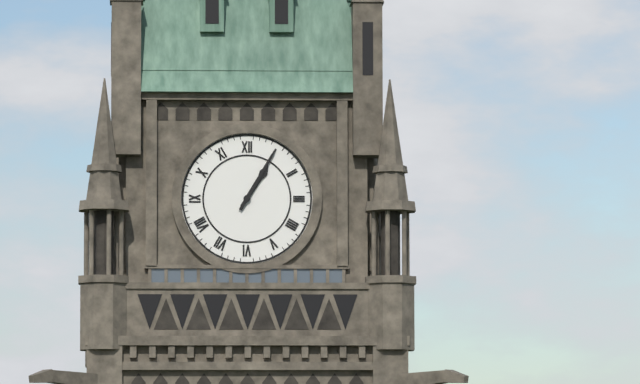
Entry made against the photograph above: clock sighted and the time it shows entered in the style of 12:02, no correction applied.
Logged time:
1:05
